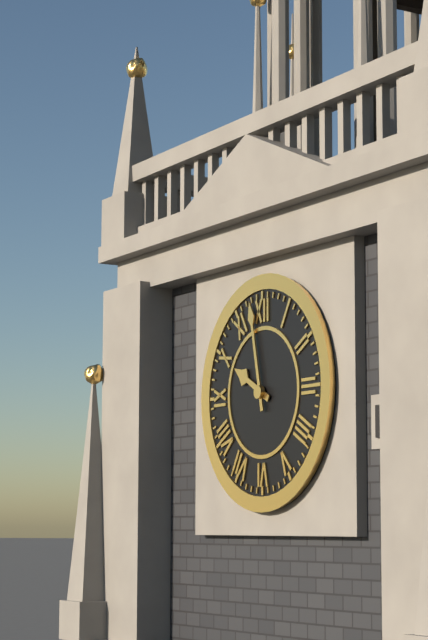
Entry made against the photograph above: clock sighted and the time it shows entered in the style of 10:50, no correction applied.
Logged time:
9:58
